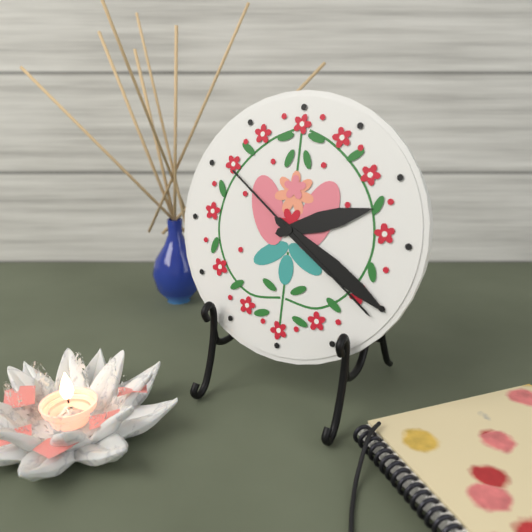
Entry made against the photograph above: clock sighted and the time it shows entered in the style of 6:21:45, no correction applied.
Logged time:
2:20:21
